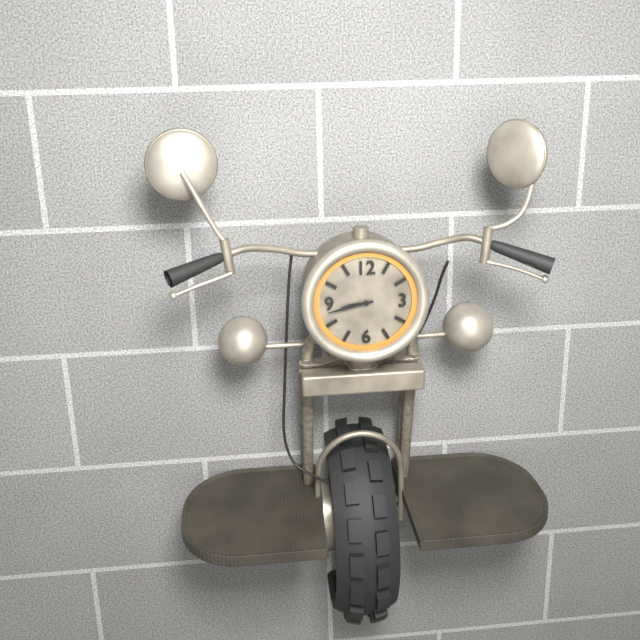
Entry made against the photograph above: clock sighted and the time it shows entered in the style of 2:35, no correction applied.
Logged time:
8:43
